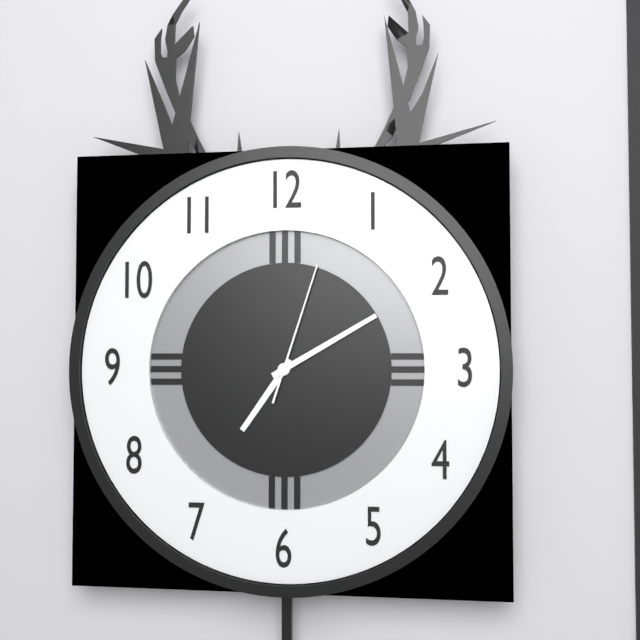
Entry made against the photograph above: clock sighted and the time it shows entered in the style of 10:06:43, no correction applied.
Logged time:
7:10:03
